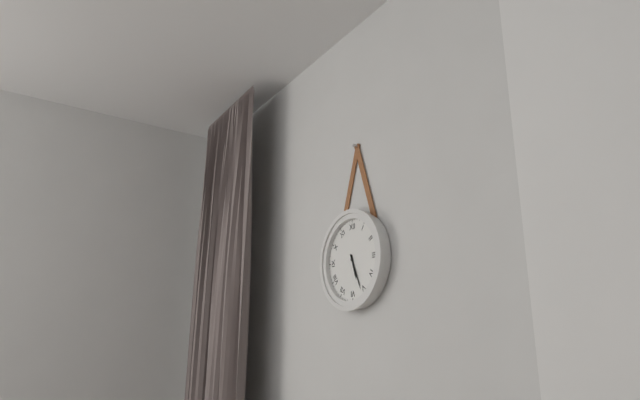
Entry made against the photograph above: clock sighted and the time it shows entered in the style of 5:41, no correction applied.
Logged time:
5:26
